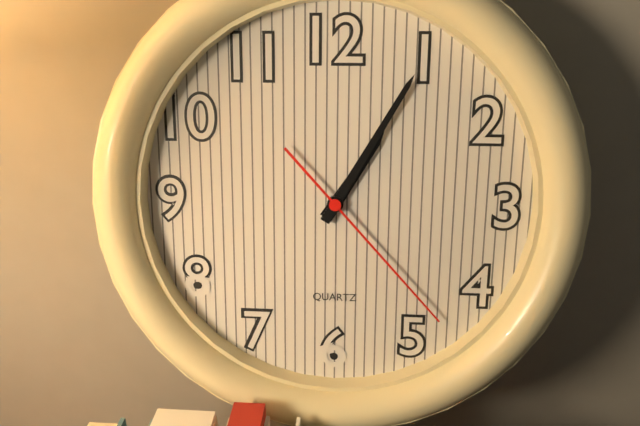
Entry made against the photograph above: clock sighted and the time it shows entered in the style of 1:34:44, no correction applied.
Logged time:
1:05:23
